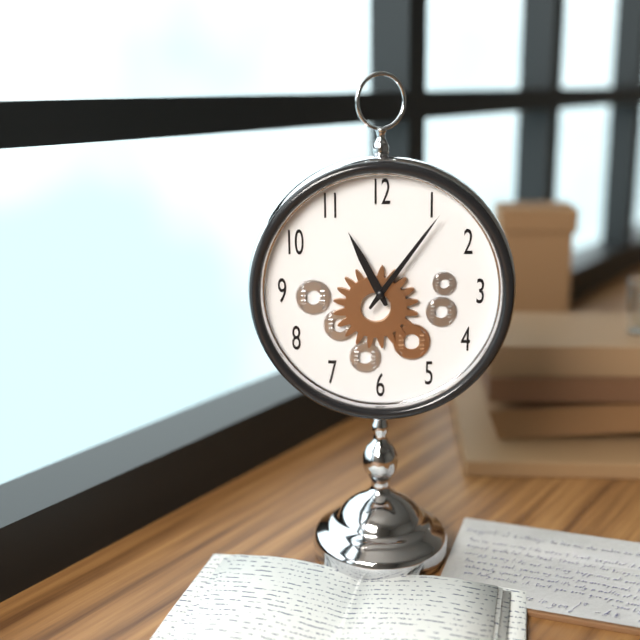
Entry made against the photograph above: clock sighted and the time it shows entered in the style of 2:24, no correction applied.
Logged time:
11:06
